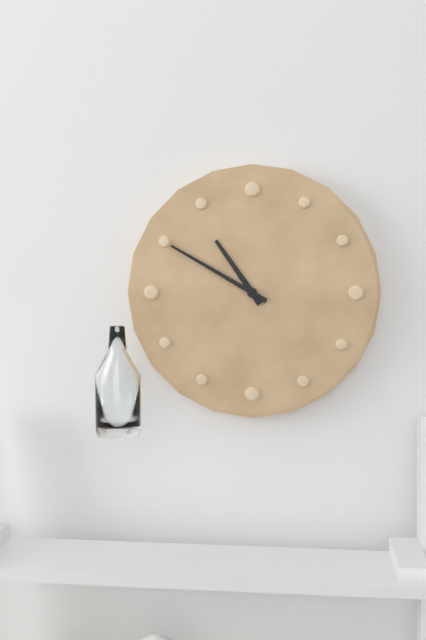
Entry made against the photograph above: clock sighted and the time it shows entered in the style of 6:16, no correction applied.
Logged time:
10:50
